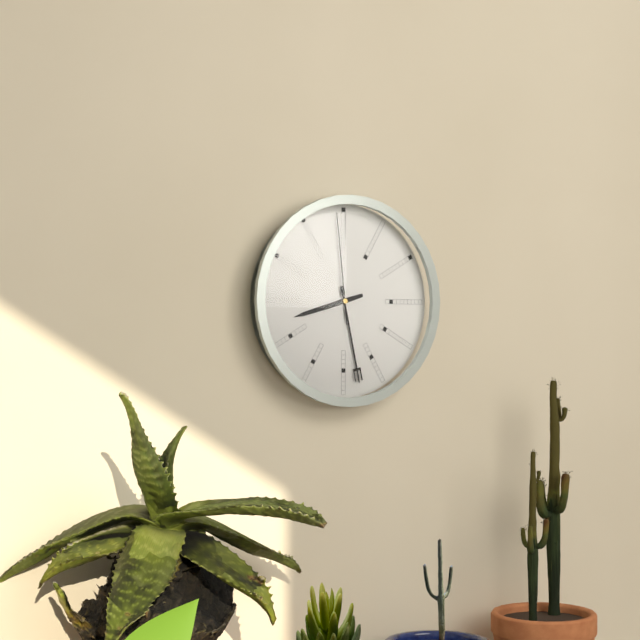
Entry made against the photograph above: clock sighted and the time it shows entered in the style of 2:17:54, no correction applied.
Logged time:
8:28:59
